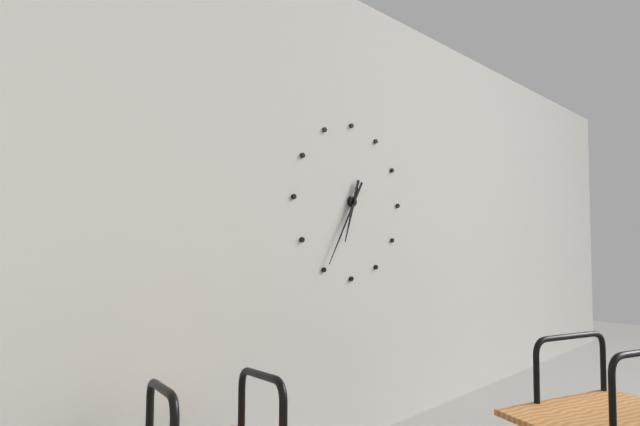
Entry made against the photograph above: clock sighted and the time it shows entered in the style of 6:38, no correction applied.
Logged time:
6:35
